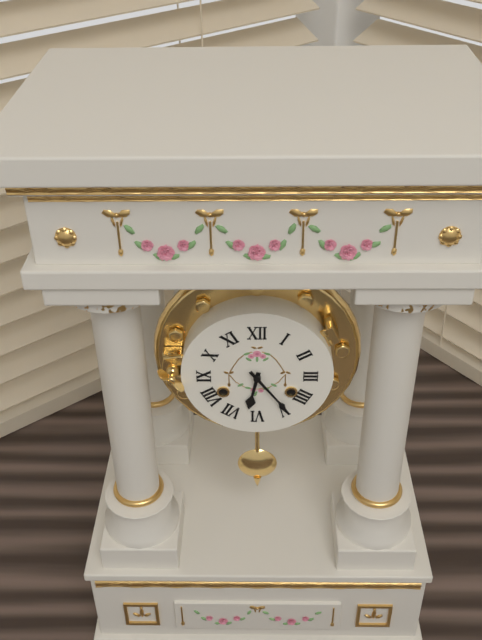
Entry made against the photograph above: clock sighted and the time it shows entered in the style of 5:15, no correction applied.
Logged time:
6:24
